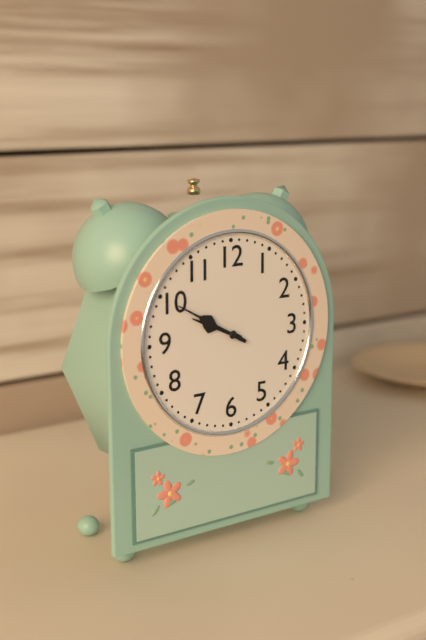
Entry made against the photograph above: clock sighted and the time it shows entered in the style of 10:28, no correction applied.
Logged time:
9:50
